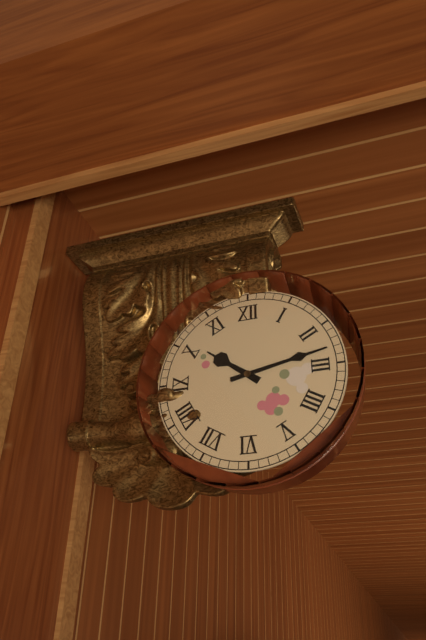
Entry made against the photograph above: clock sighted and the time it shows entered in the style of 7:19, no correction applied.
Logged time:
10:13
